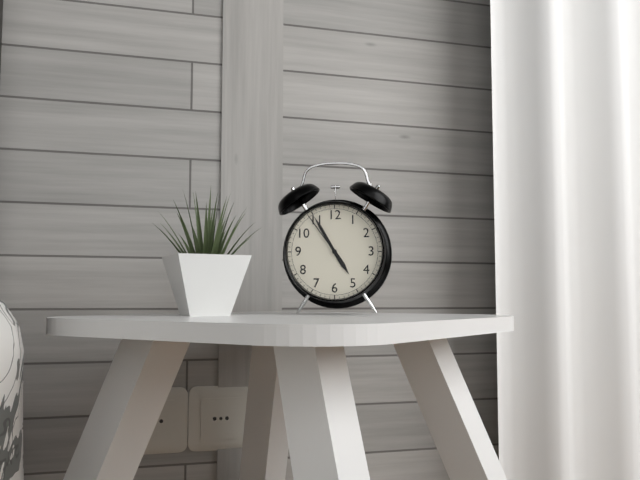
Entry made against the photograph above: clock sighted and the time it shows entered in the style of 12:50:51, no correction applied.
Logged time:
4:55:54
